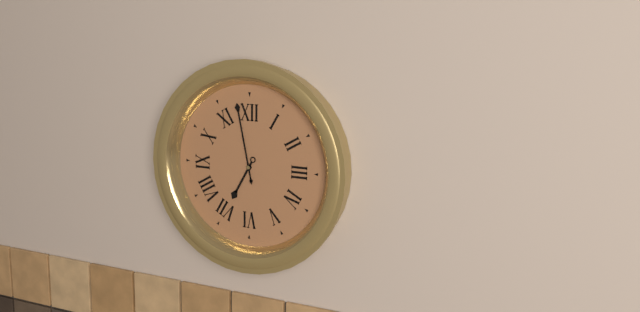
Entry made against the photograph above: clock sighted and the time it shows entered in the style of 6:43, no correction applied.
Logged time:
6:58
